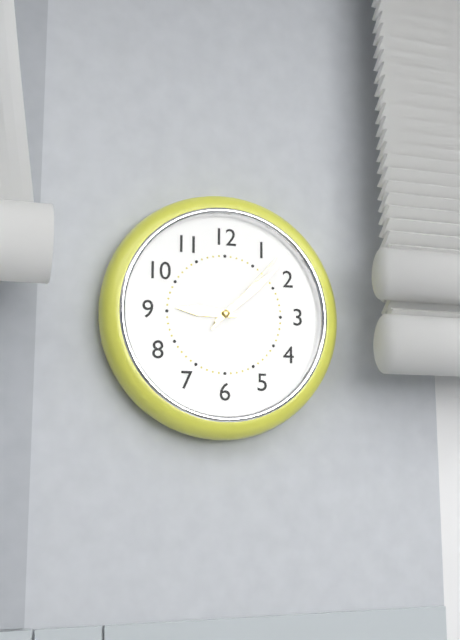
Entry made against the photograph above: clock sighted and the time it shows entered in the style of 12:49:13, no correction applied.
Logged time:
9:08:07
